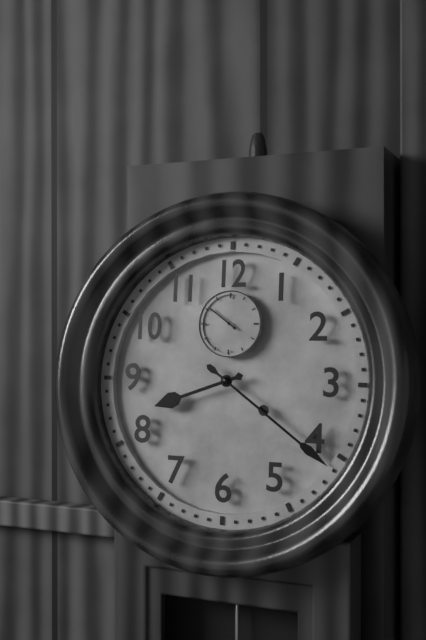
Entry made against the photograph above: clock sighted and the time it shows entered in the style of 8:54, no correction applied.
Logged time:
8:21
